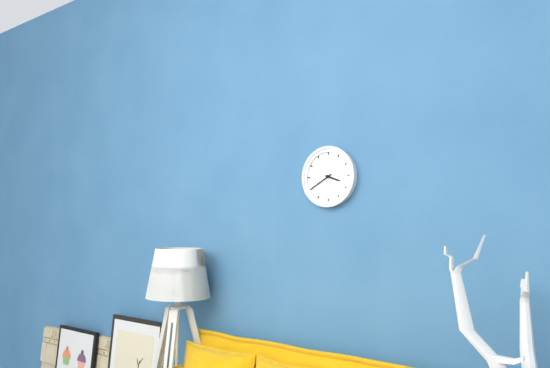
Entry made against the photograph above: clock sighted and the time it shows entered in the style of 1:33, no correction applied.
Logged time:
3:40
